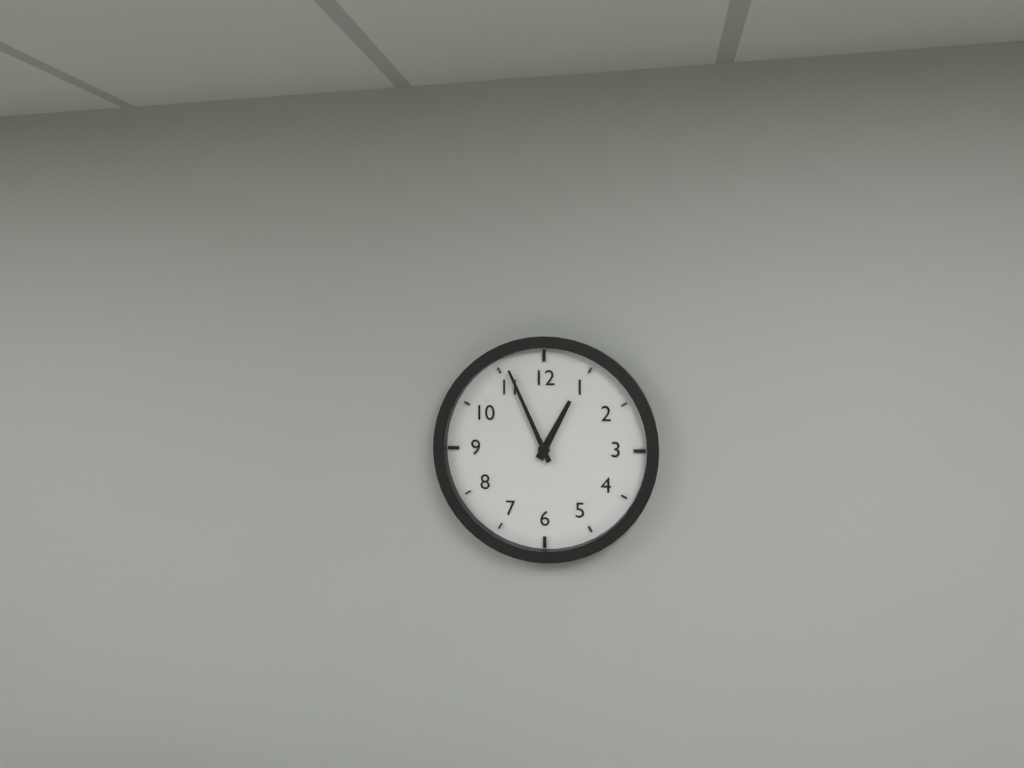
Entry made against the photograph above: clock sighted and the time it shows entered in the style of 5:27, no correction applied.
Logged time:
12:56
